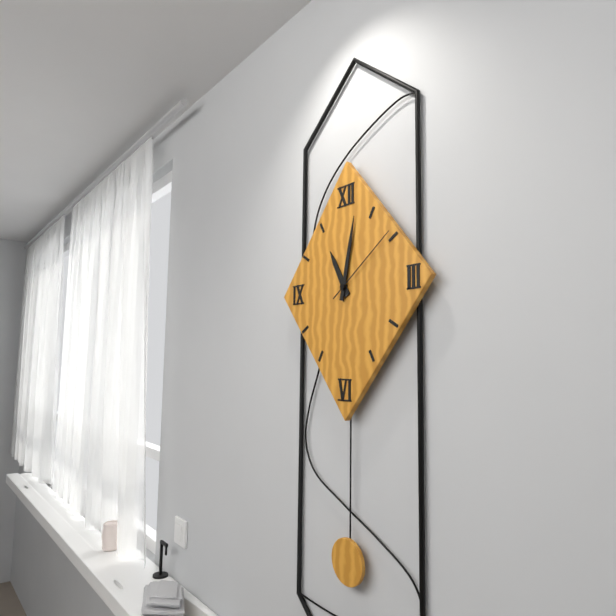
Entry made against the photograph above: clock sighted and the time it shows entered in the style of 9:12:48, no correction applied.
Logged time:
11:02:09
